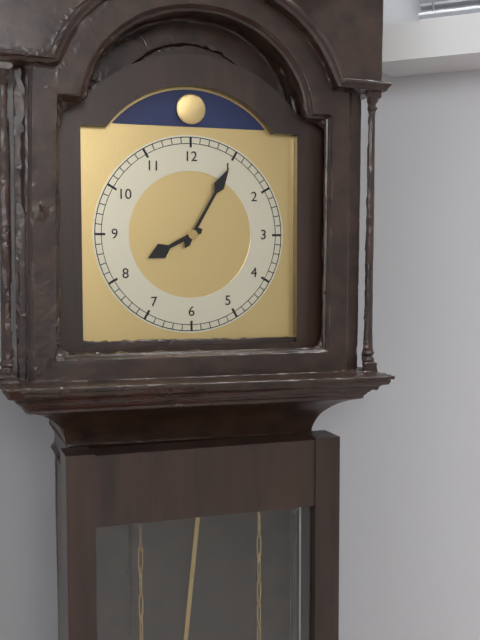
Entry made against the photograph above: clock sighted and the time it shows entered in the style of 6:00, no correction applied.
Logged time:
8:05
